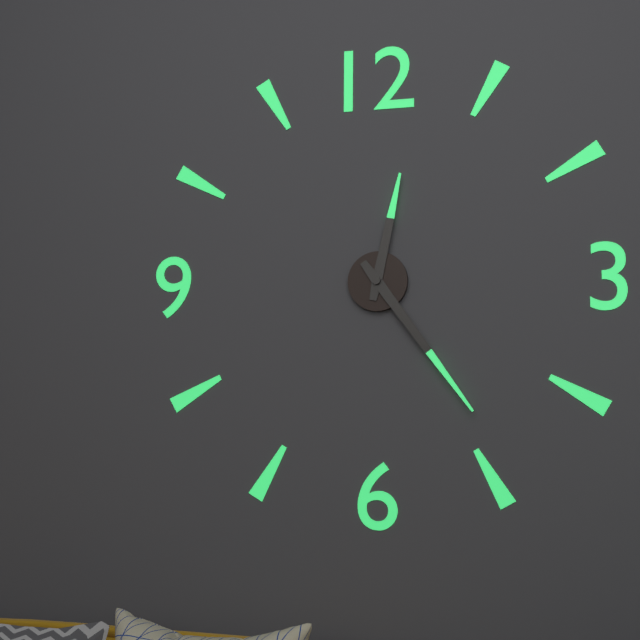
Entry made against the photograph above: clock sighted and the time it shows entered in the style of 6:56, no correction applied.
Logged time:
12:24
